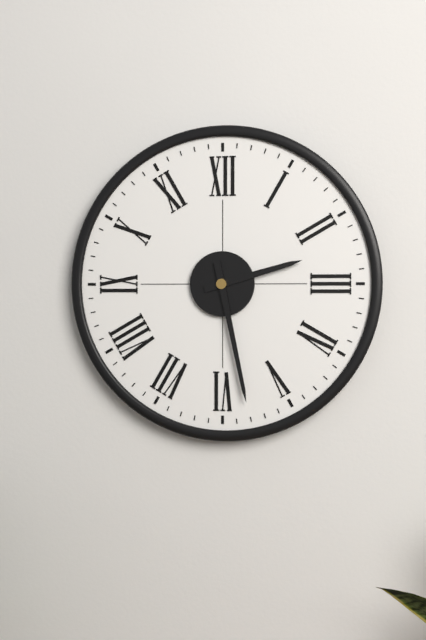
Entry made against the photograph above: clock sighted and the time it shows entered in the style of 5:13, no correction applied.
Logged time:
2:28
